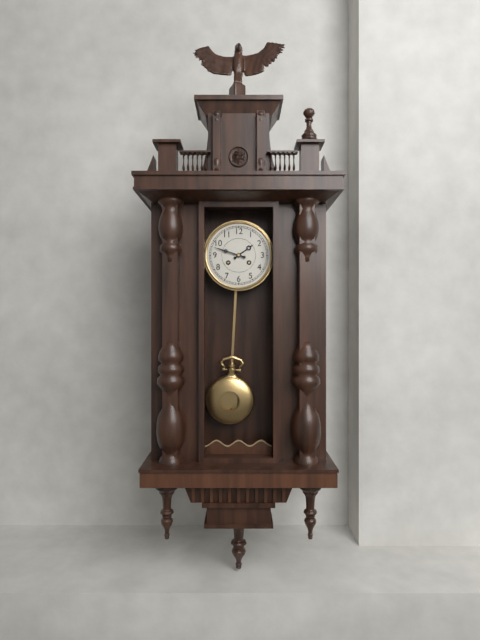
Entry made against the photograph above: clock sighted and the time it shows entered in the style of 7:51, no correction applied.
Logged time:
1:48
